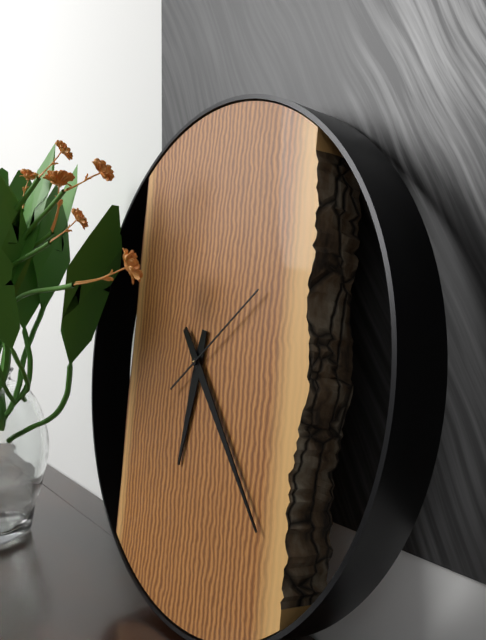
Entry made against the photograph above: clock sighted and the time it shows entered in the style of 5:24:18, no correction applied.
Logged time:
6:23:09
